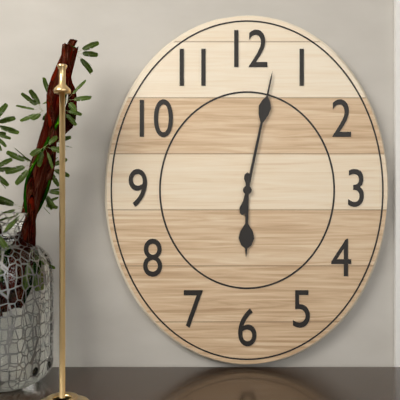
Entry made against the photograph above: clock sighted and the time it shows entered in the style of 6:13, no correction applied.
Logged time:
6:02
